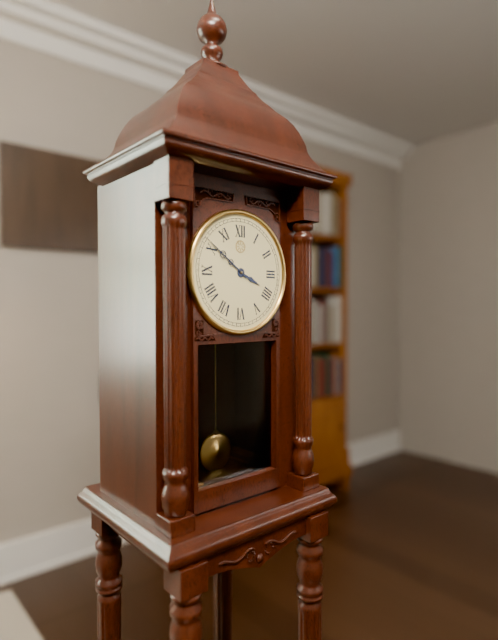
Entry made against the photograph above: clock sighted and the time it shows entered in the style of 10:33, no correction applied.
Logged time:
3:51
